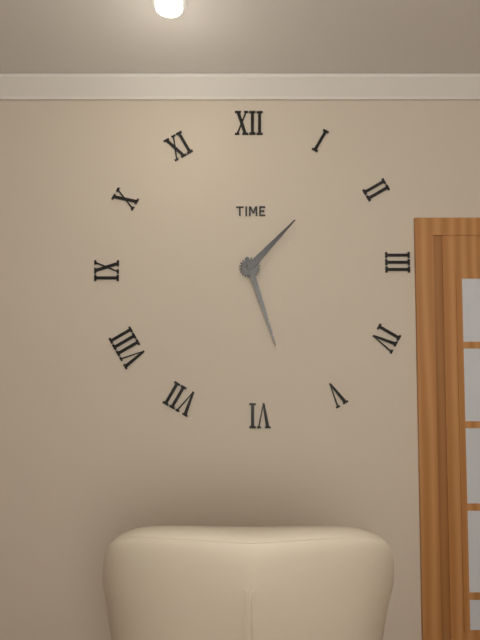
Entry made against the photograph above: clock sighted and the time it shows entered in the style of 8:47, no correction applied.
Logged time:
1:27
